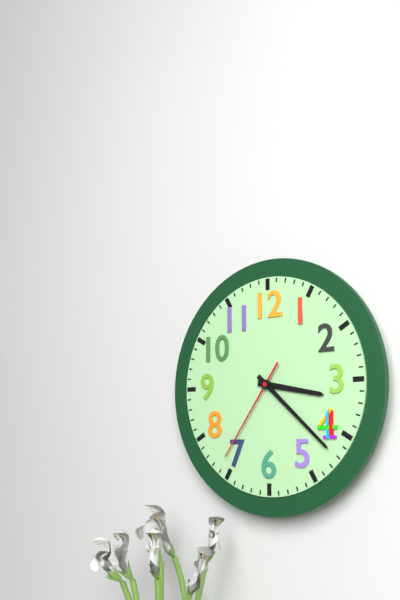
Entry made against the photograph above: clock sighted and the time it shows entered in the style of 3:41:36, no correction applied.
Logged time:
3:22:36
